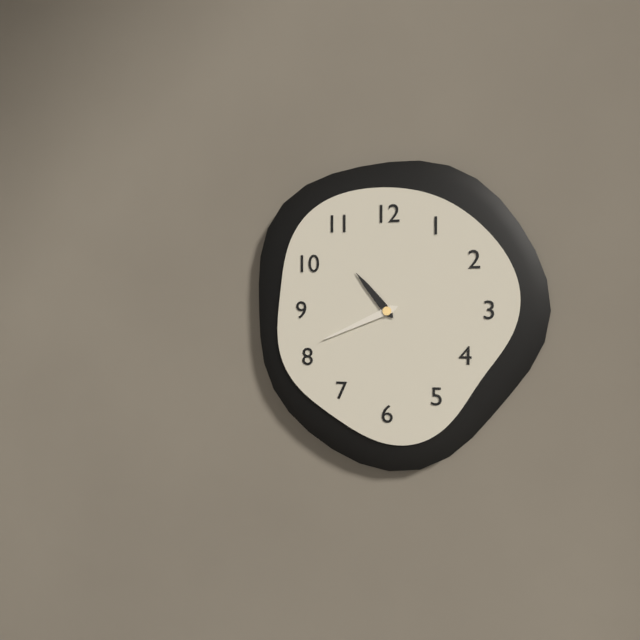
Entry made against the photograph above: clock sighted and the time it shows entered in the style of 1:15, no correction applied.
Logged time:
10:41
